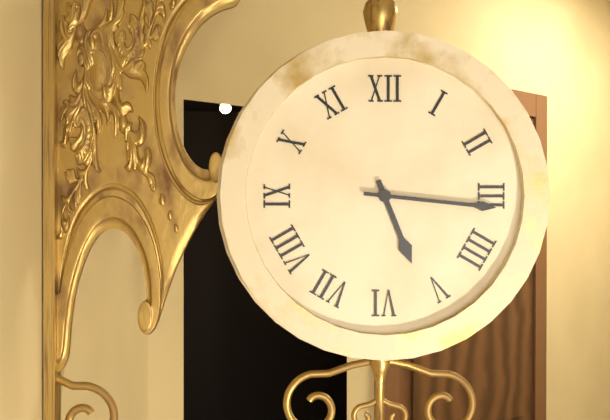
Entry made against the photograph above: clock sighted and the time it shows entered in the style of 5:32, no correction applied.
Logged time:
5:16
